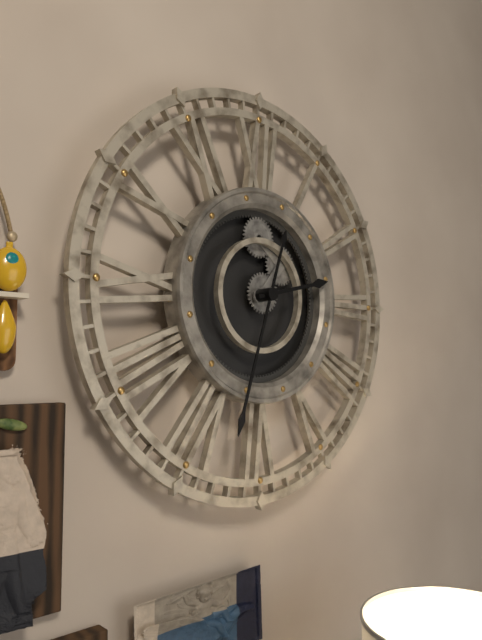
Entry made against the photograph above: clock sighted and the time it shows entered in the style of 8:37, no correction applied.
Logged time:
2:33
